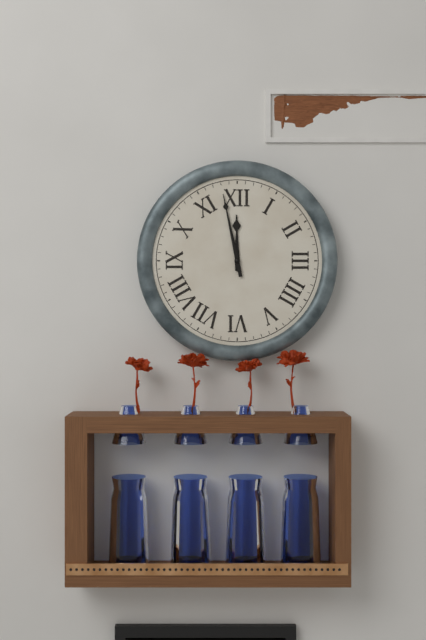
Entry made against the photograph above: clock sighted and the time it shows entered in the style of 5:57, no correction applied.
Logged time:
11:58
